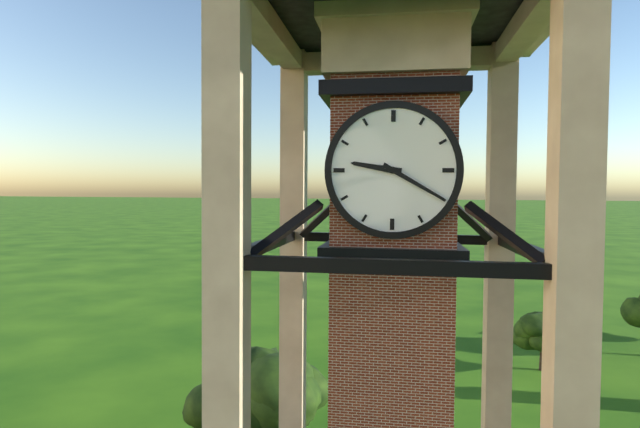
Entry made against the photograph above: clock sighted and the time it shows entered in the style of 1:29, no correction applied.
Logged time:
9:20
